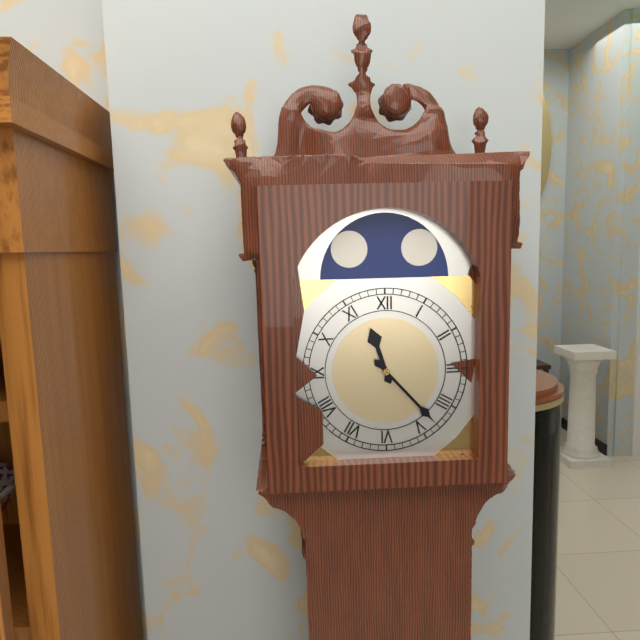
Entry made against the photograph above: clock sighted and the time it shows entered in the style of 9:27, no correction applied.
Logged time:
11:23
